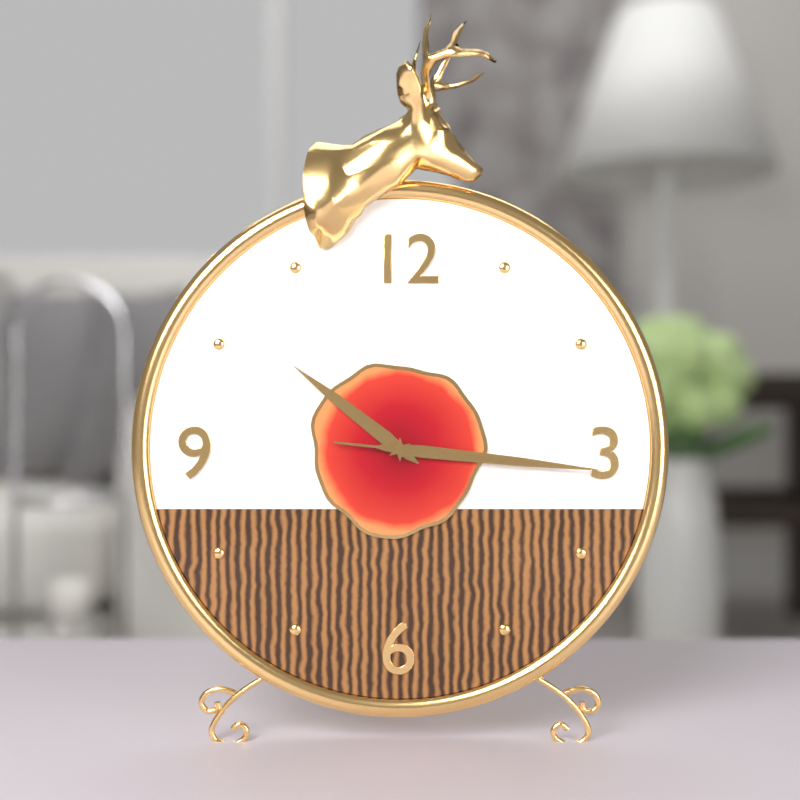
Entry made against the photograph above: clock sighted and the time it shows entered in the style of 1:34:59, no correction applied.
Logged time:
10:16:16
